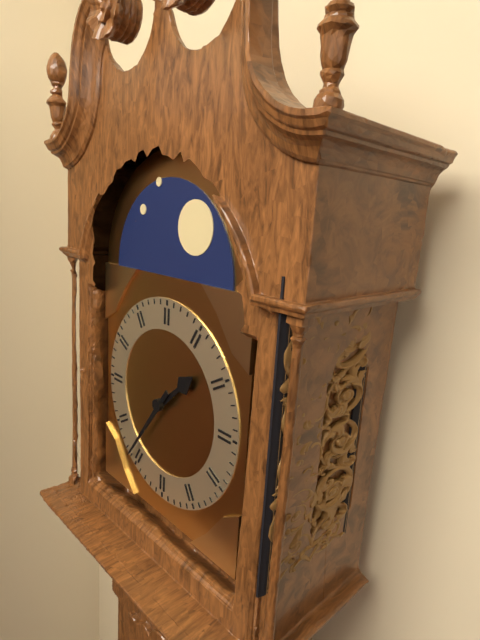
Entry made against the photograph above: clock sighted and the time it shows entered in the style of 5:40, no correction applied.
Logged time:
1:36
